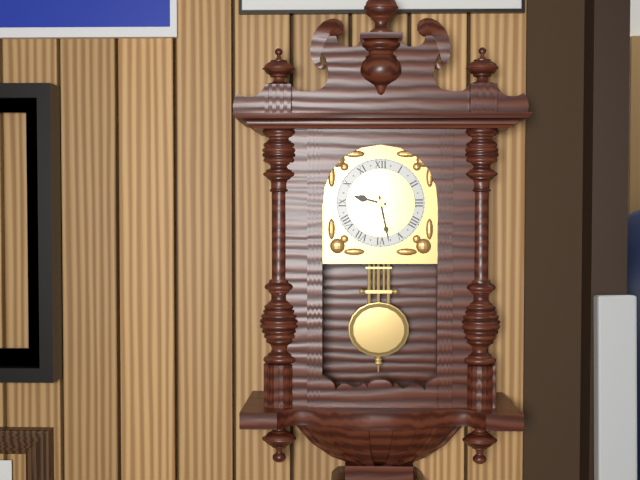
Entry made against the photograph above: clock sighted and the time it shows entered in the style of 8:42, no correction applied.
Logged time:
9:28
